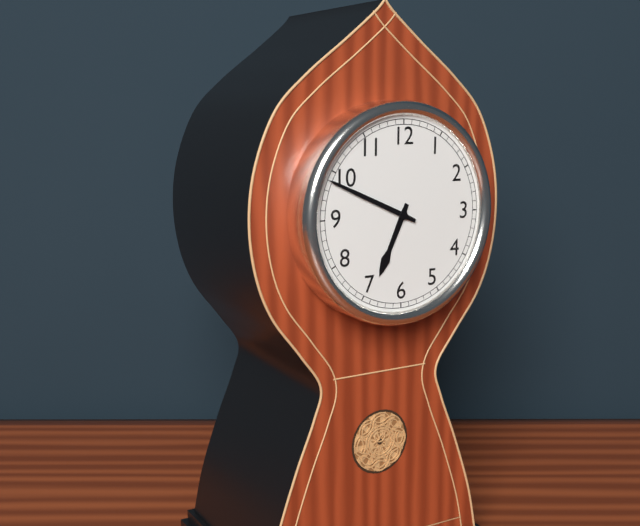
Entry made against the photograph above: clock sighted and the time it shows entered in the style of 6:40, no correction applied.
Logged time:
6:49
